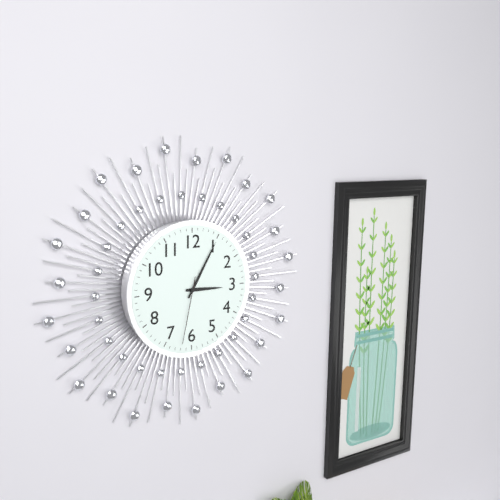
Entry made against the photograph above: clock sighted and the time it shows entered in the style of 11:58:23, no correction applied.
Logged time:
3:05:32
